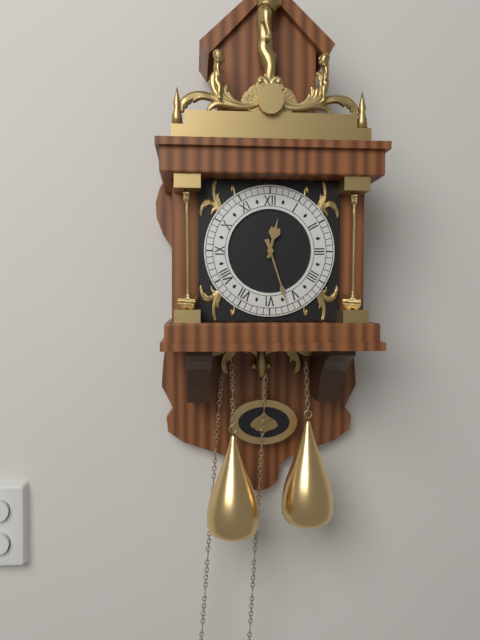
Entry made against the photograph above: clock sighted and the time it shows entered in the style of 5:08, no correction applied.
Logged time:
12:27
